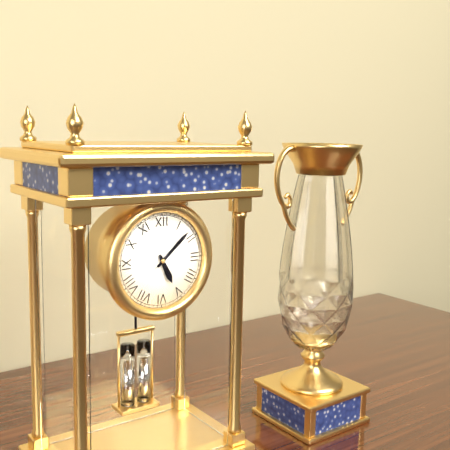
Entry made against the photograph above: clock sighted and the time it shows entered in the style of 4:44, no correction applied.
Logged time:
5:08
